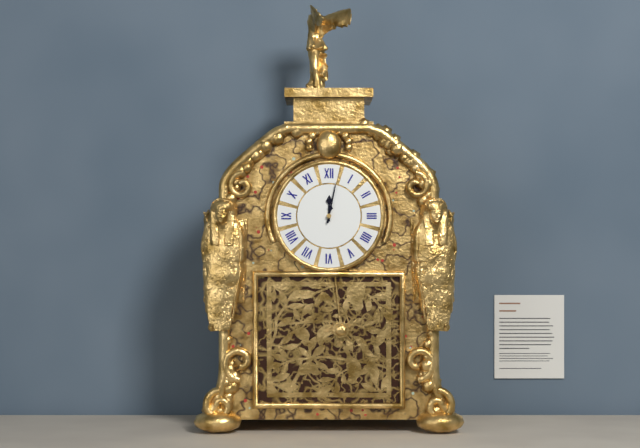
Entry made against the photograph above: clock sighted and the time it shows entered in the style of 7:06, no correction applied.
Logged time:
12:02
